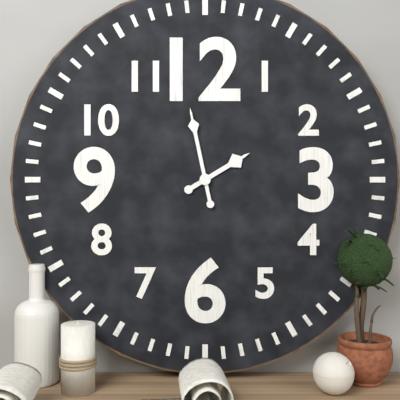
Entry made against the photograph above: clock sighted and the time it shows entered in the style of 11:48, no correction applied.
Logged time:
1:58
